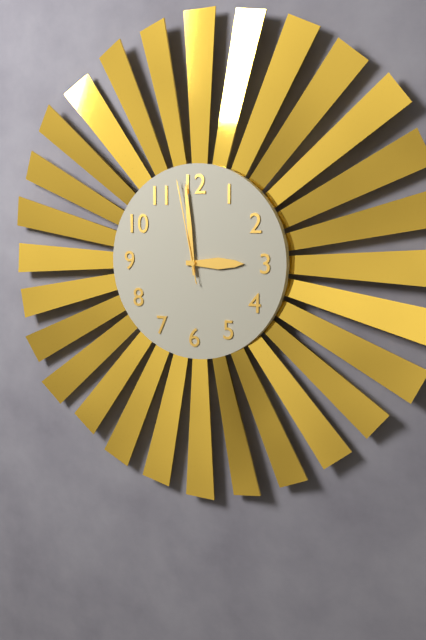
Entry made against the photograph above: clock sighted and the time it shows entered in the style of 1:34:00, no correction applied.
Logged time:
2:59:58
